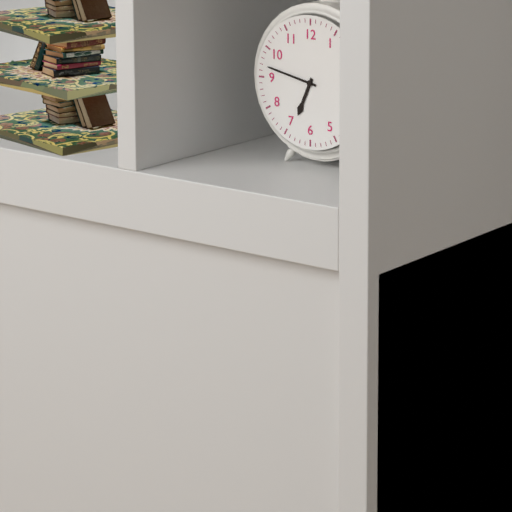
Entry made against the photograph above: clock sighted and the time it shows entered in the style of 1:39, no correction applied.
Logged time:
6:47
